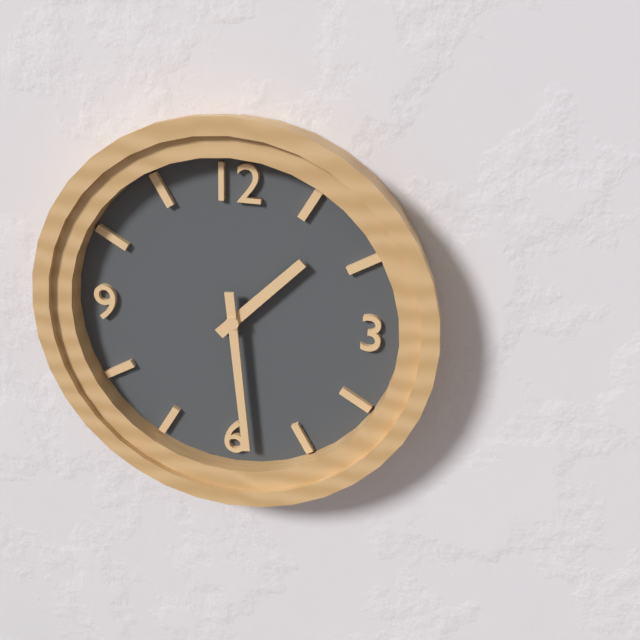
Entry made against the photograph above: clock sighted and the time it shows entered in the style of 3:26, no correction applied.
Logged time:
1:29
